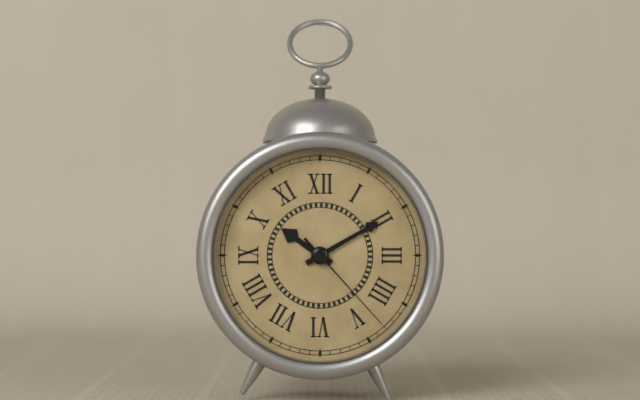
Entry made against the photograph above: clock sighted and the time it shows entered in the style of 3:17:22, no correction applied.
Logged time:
10:10:23
